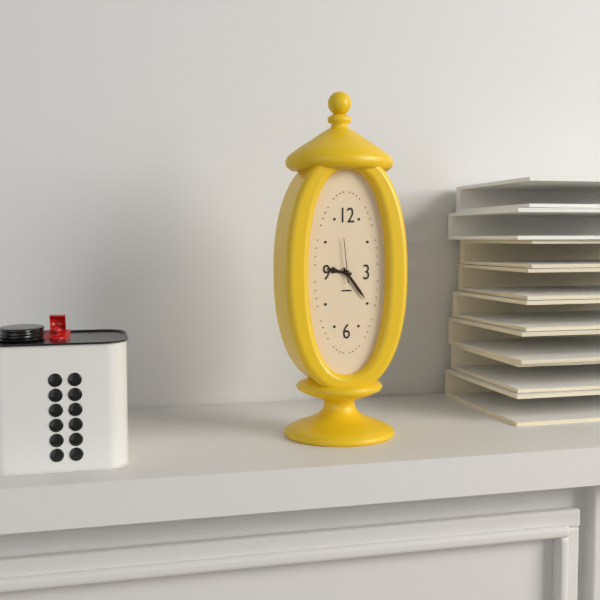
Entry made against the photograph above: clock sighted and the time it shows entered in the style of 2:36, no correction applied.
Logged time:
9:24
